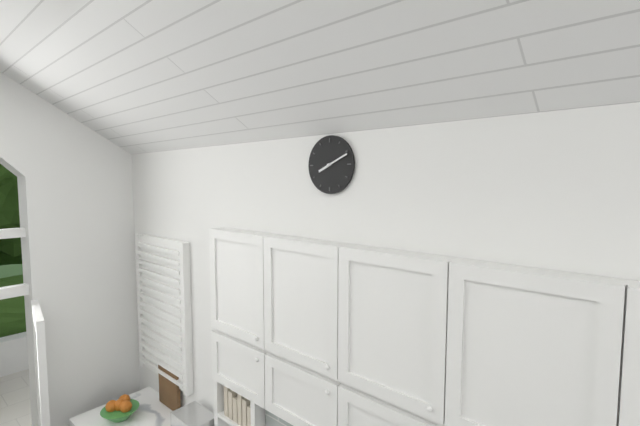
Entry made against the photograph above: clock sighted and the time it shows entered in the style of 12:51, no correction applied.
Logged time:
8:11
